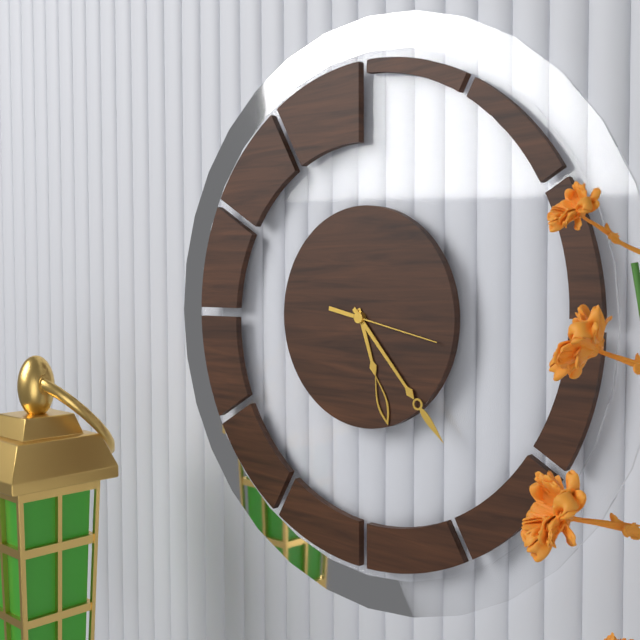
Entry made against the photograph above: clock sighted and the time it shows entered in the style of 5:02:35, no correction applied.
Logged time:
5:23:17
